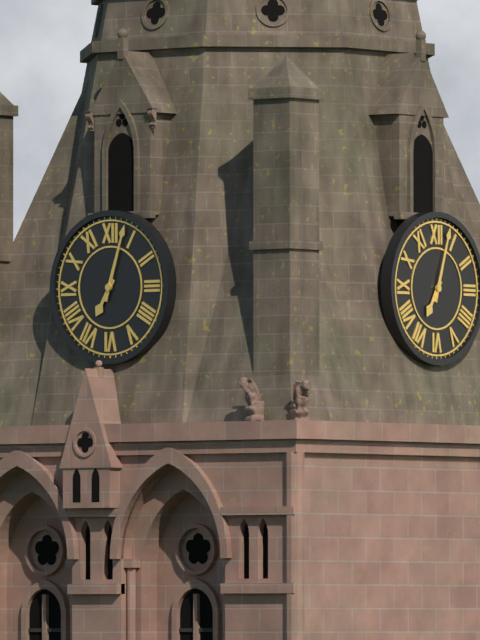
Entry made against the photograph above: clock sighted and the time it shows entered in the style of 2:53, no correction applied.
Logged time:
7:03
